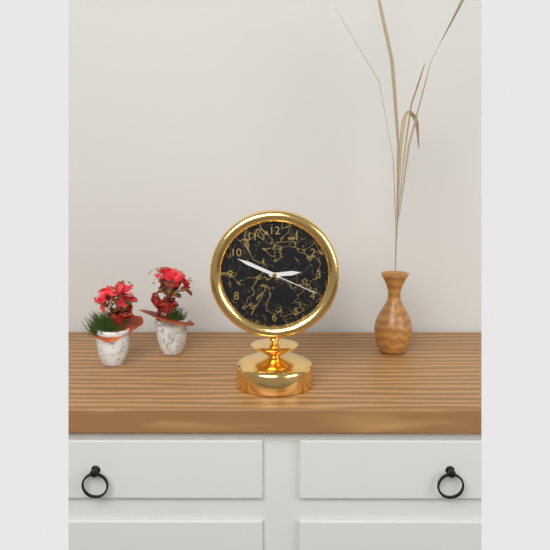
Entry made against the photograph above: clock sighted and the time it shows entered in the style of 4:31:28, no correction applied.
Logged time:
2:49:19
